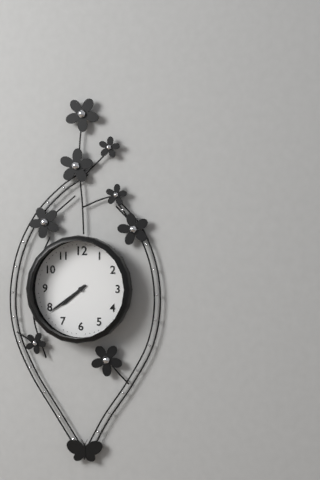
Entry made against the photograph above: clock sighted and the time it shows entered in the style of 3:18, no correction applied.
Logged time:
7:39
